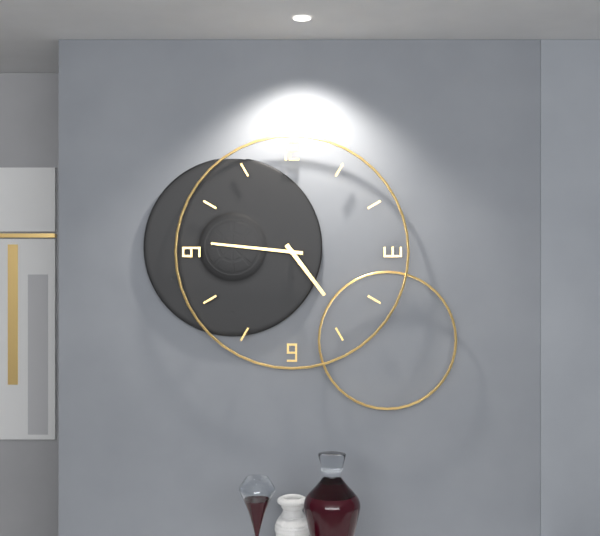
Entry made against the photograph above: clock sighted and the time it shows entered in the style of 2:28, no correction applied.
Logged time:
4:46
